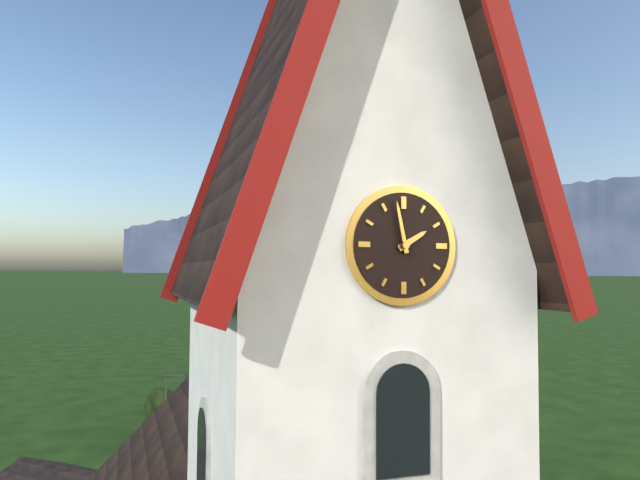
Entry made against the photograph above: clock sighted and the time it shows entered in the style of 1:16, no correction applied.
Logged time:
1:58
